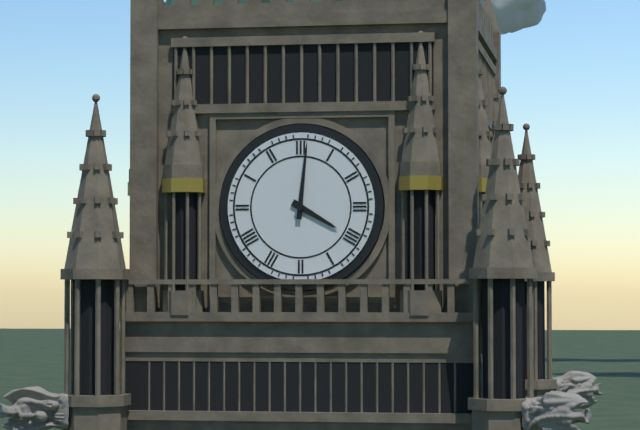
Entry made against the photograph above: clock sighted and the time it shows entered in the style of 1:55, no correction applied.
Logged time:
4:01
